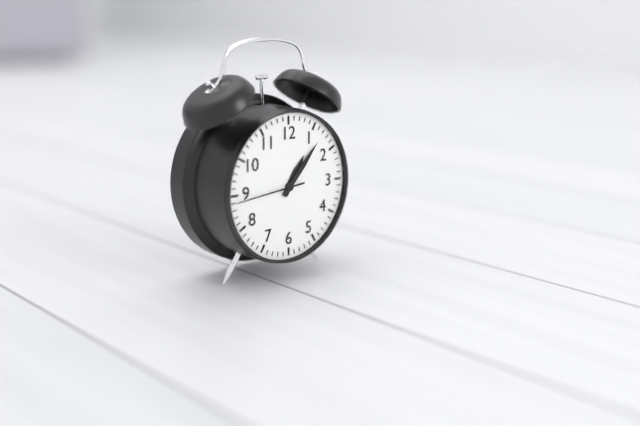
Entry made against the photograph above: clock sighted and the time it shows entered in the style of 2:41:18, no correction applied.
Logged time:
1:07:44
